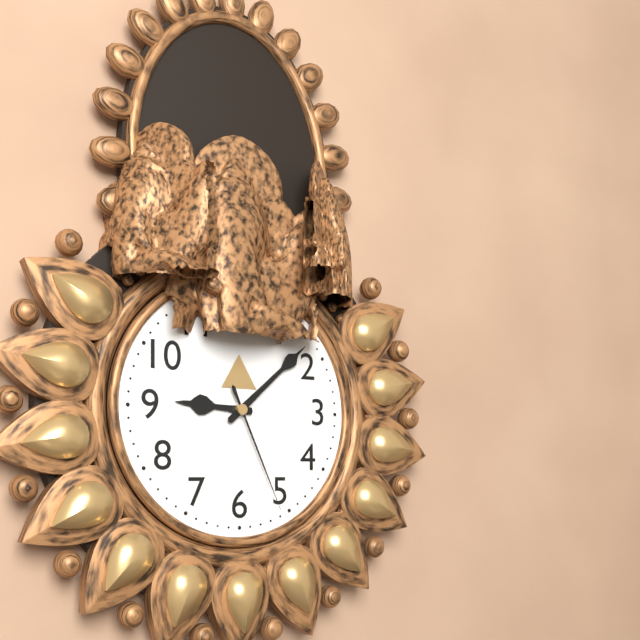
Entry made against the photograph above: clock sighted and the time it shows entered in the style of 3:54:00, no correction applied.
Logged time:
9:08:26
